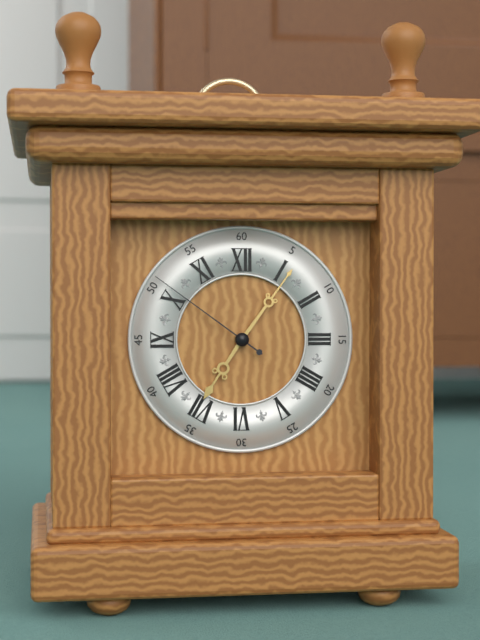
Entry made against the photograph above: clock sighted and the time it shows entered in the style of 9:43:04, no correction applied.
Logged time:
7:06:51
